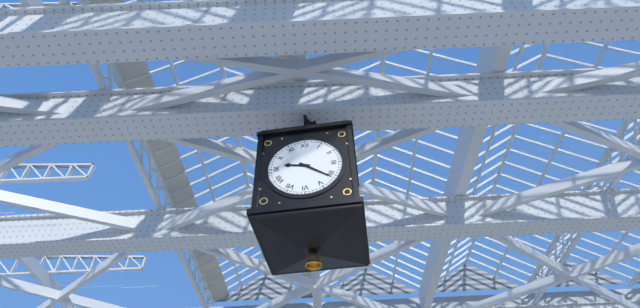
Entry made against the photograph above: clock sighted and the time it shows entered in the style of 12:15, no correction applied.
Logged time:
9:21
